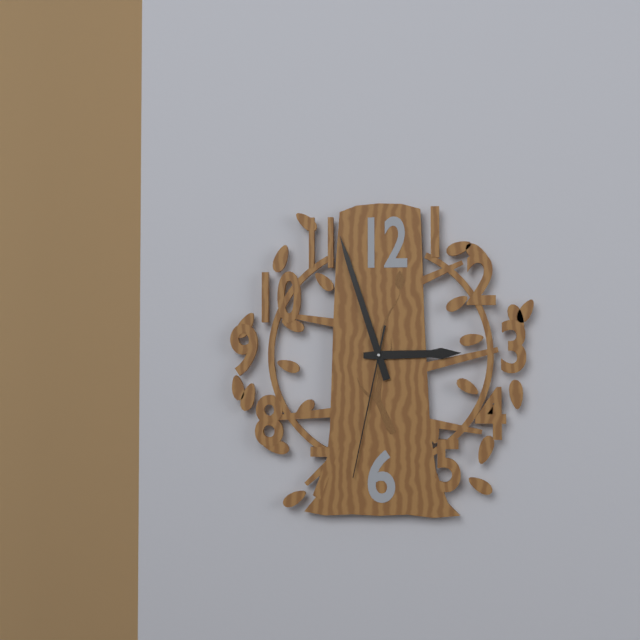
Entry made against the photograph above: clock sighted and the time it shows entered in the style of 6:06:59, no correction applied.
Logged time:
2:57:32
